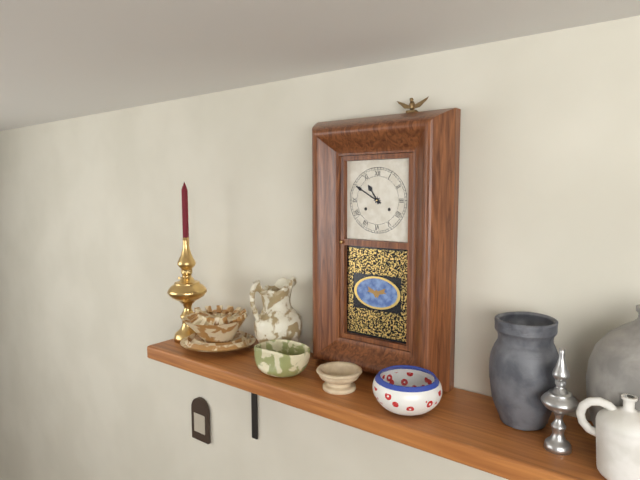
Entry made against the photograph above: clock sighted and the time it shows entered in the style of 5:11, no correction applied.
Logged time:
10:50
